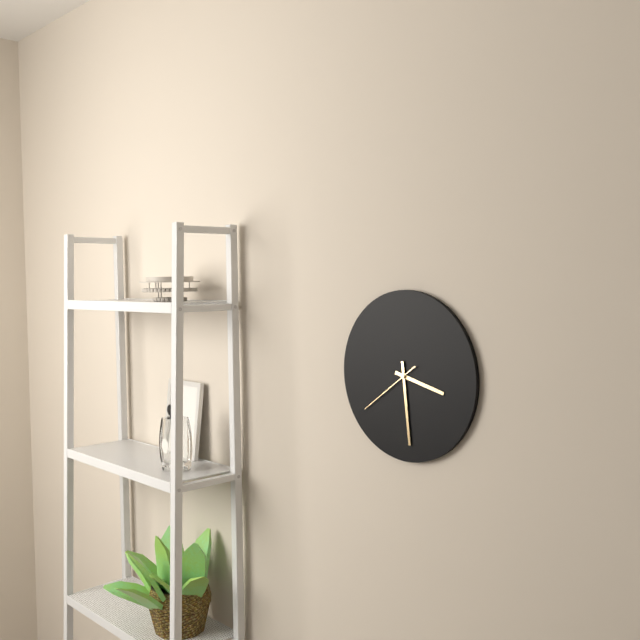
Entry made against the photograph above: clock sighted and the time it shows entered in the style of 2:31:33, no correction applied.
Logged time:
3:29:39
